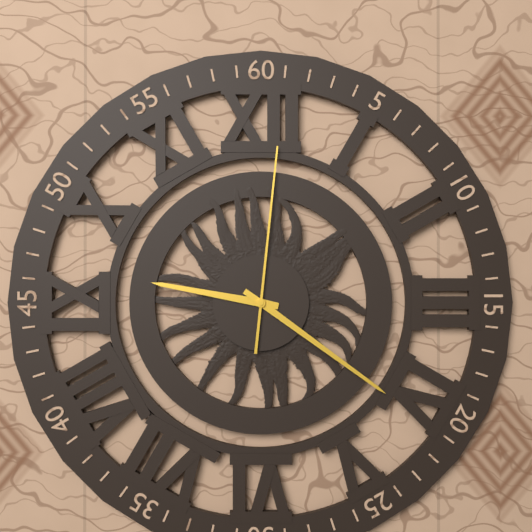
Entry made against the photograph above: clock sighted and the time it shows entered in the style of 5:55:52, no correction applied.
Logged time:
9:21:01
